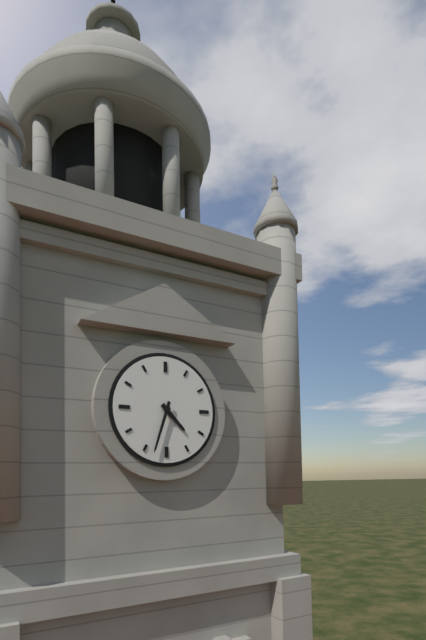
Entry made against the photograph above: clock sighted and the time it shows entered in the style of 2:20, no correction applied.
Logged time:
4:33
